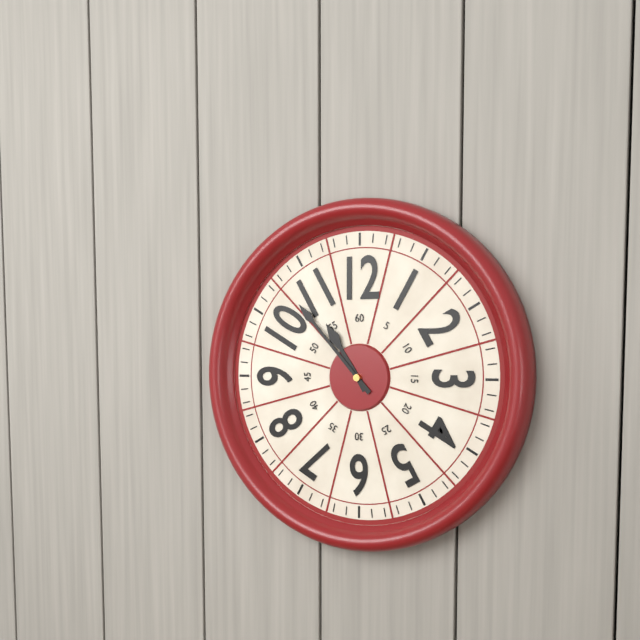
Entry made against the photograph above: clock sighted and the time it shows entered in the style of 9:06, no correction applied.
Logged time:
10:53
